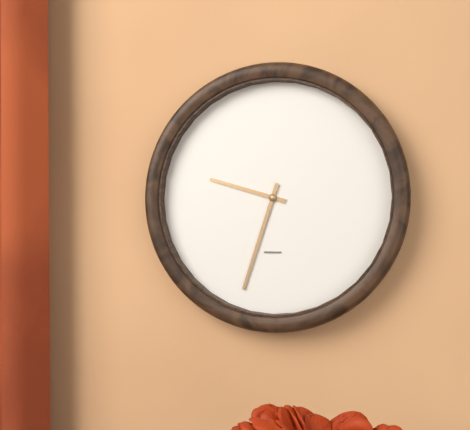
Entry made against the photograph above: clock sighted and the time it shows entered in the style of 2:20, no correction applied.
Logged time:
9:33
